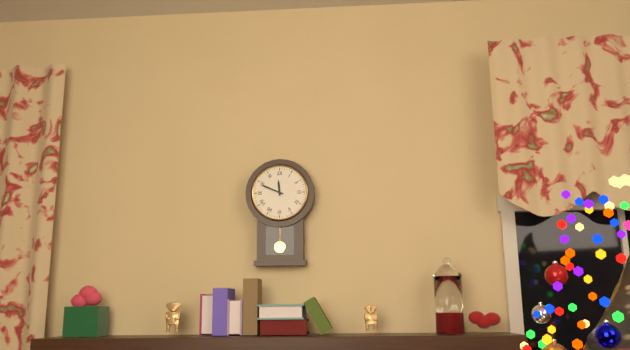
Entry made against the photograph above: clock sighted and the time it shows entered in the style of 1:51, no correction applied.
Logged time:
11:49
